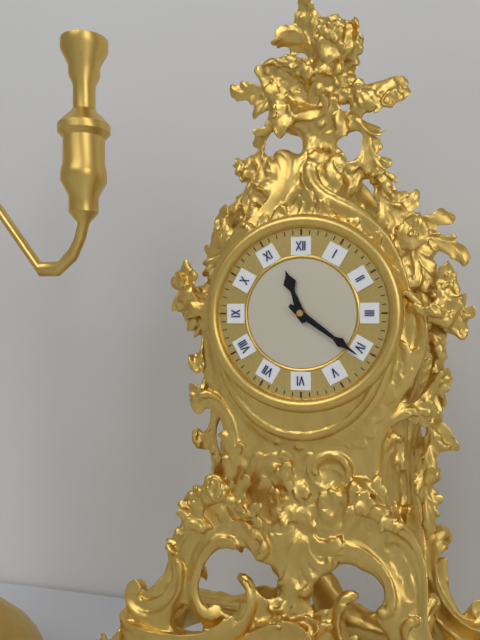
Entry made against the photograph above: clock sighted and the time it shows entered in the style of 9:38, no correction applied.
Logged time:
11:21
